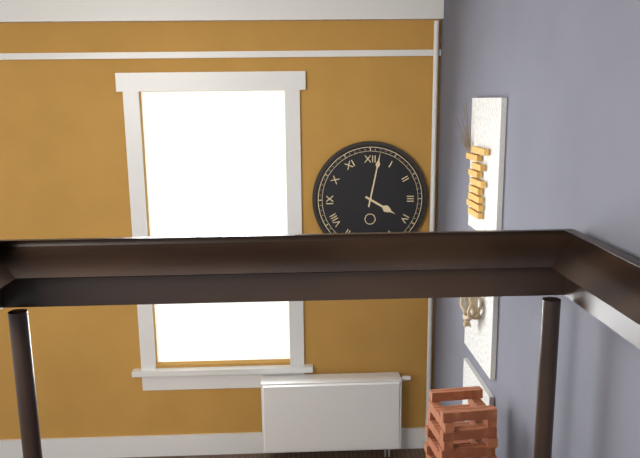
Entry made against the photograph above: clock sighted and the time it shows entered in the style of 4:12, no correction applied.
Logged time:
4:02
